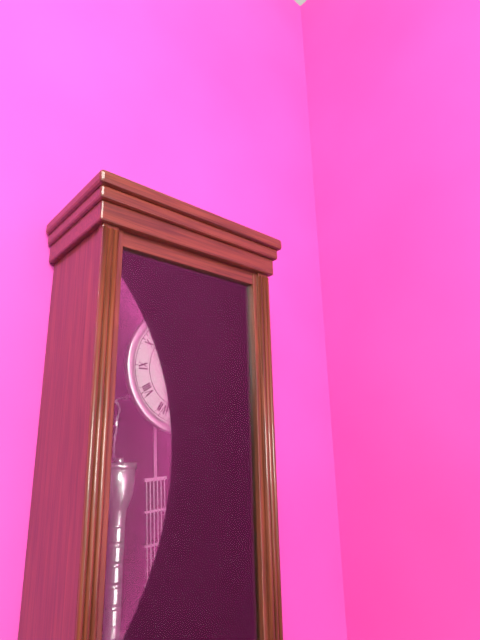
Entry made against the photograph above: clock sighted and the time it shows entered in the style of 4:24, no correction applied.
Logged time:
10:34
